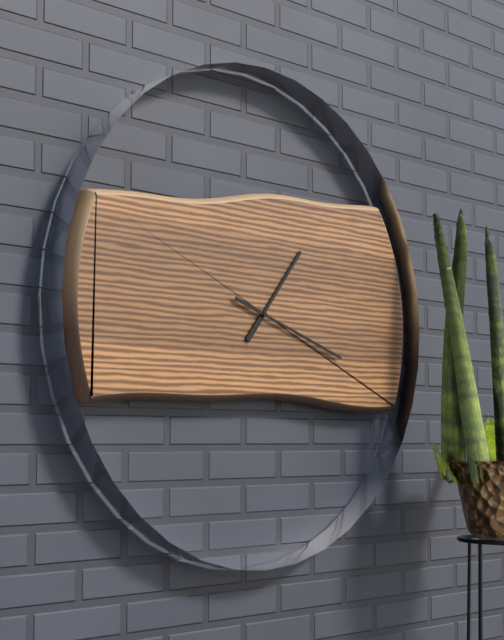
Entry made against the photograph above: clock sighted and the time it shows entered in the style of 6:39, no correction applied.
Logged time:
1:18
